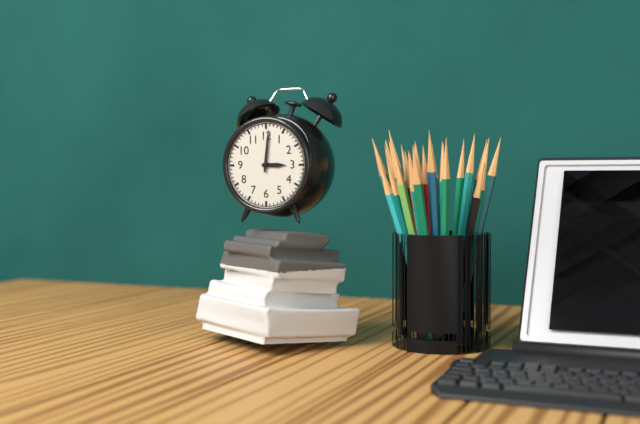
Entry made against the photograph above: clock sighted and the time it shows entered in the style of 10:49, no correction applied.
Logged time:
3:01
